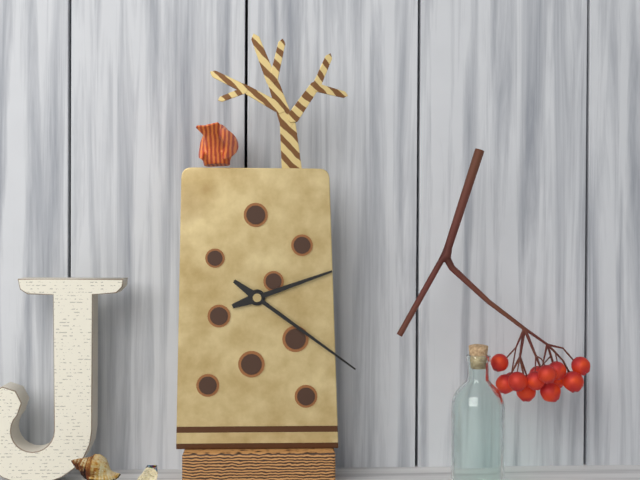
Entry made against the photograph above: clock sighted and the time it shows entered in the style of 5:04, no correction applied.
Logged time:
2:21
